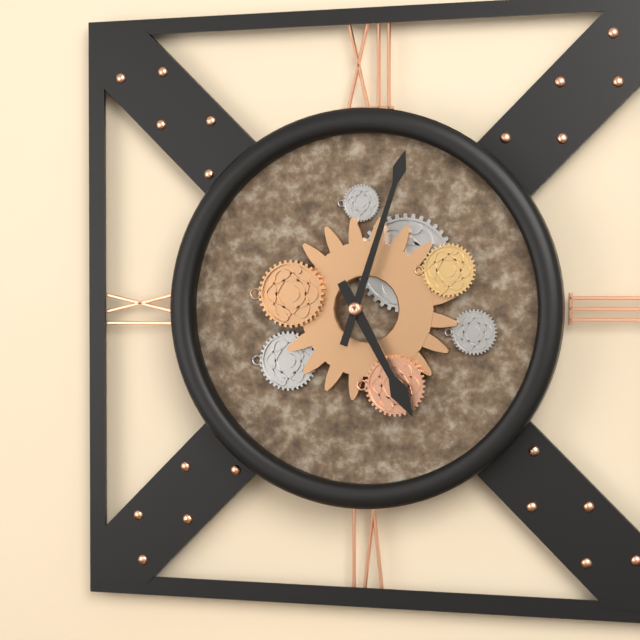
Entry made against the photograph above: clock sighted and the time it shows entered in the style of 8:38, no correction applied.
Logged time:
5:03
